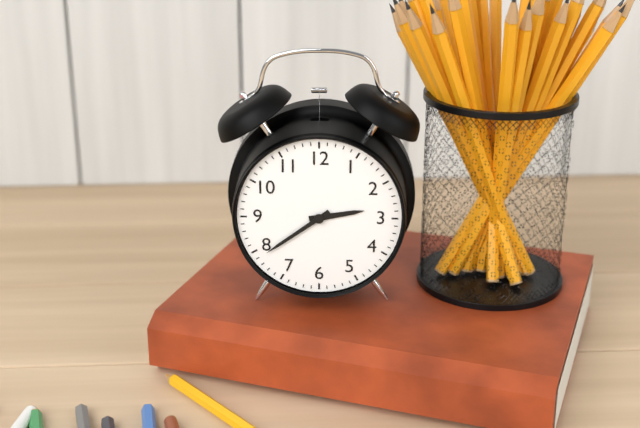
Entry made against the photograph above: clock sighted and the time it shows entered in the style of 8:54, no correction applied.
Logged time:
2:39
